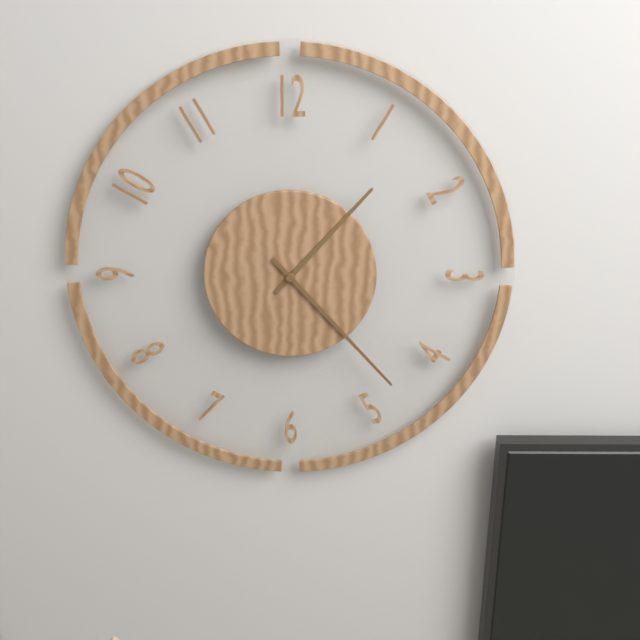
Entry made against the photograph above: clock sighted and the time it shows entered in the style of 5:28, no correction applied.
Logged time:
1:23
